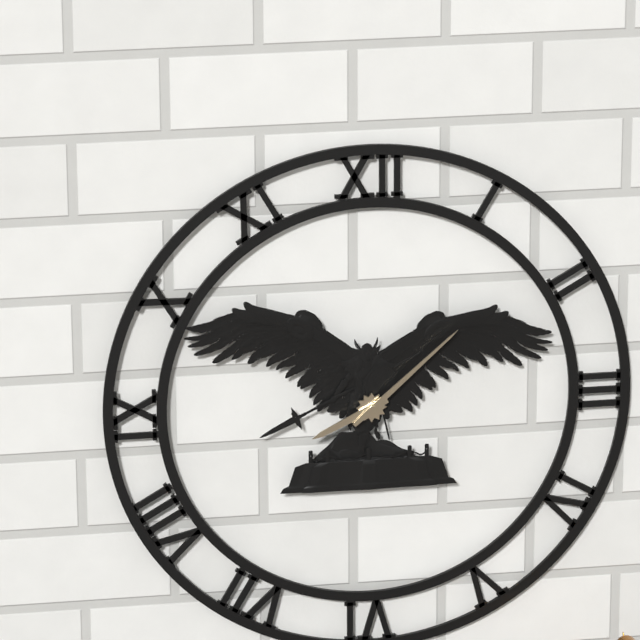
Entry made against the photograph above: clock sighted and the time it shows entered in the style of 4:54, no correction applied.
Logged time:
8:08
